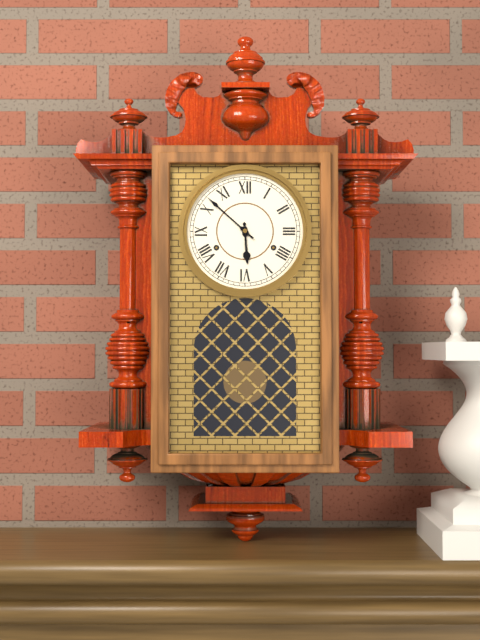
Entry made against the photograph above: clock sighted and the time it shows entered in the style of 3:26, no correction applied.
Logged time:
5:52
